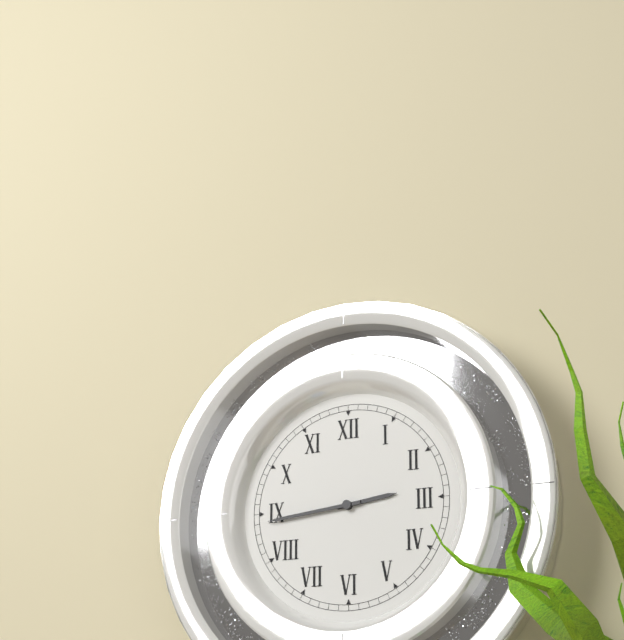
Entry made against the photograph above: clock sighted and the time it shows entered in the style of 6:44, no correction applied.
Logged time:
2:44
